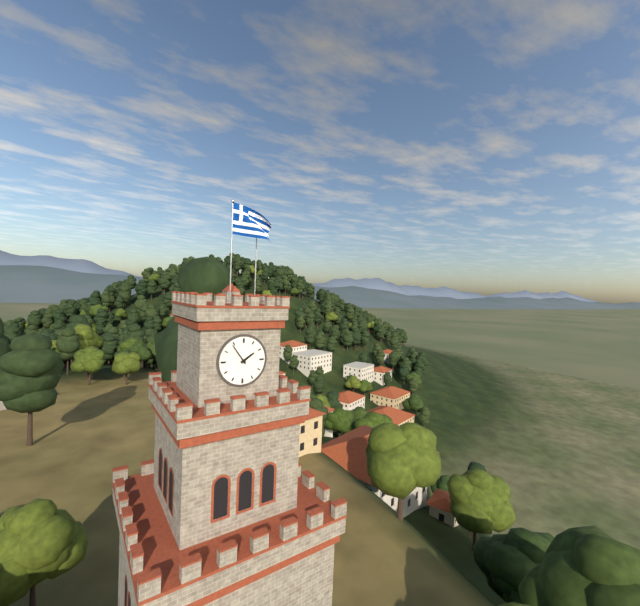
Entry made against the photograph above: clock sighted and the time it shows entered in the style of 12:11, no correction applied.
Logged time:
1:54
